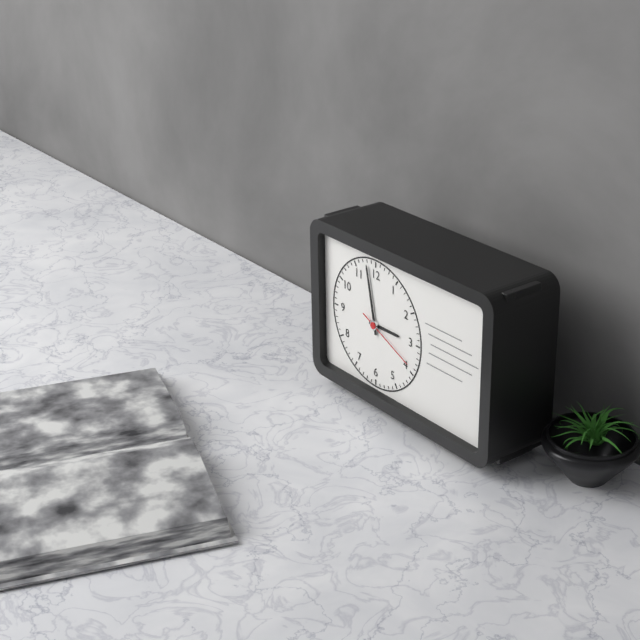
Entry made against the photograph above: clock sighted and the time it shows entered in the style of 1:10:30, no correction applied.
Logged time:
2:58:19
